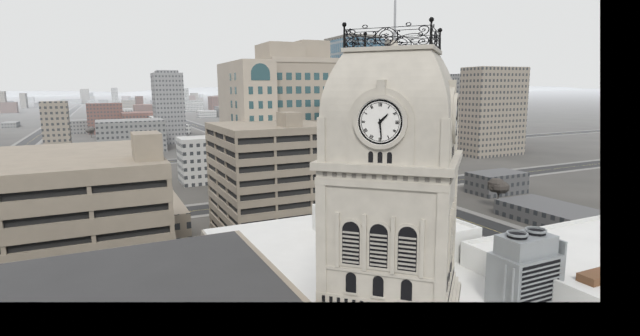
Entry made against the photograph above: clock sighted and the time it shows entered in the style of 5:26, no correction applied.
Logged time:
1:29
